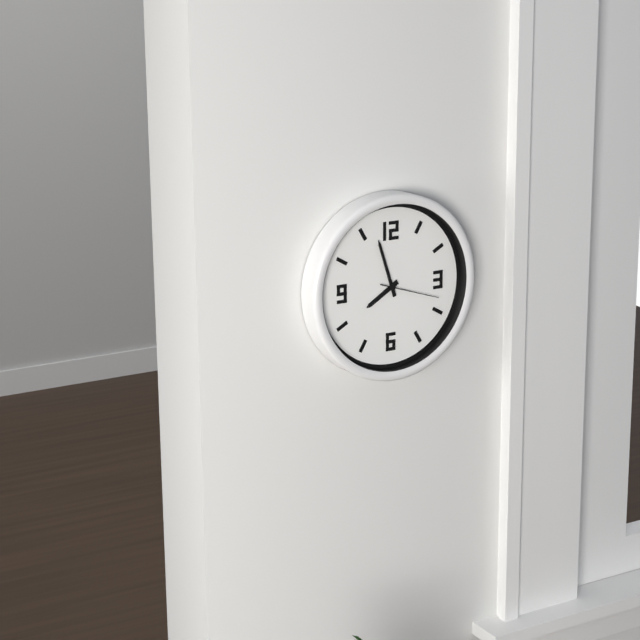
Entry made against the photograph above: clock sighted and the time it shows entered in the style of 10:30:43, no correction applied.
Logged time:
7:57:18
